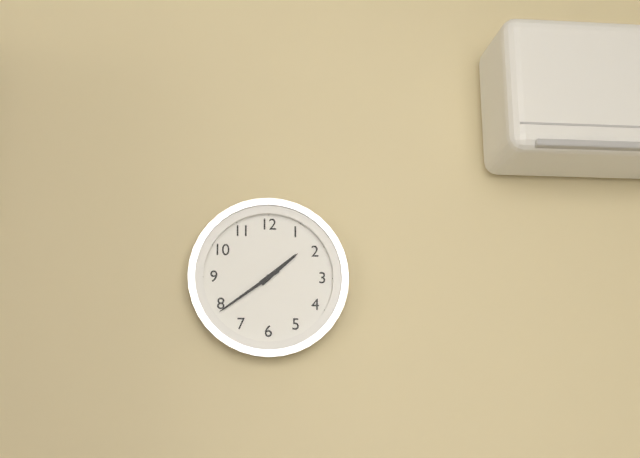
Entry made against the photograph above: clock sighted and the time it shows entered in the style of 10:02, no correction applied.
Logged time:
1:39
